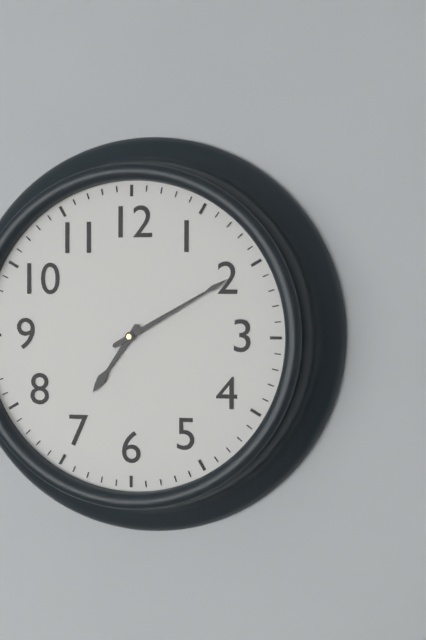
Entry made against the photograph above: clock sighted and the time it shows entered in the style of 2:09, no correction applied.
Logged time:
7:10
